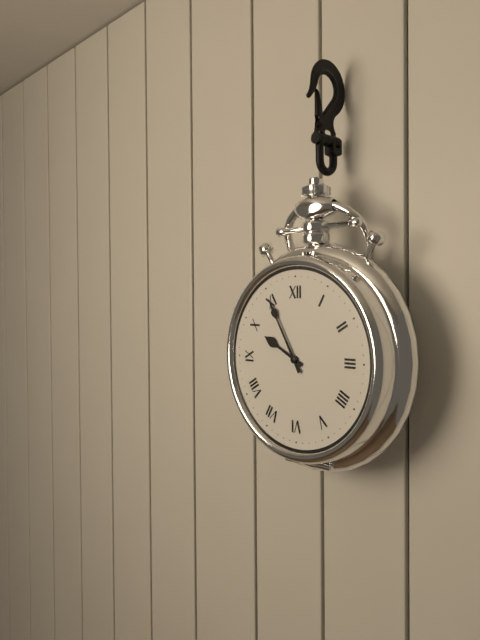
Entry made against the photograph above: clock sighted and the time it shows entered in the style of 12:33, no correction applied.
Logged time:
9:55
